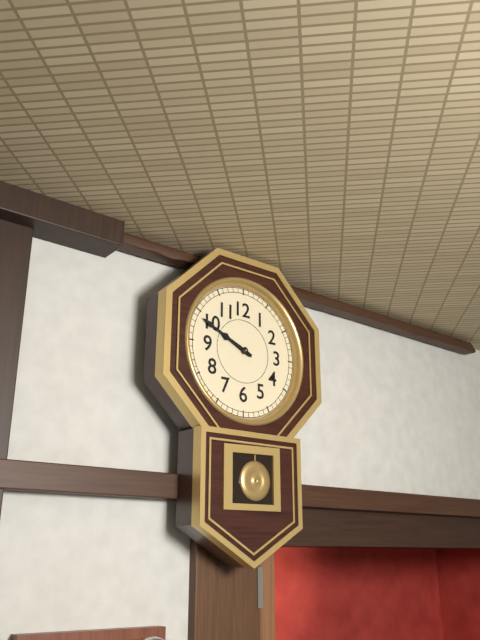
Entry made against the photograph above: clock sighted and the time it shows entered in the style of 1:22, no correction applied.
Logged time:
9:49
